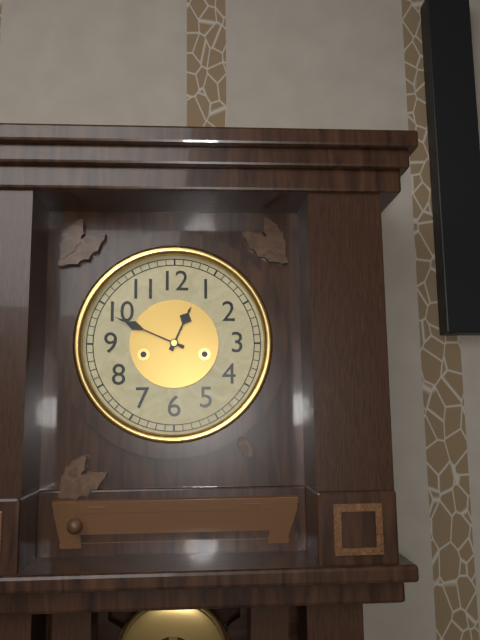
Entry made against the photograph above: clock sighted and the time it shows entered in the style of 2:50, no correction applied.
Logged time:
12:49
